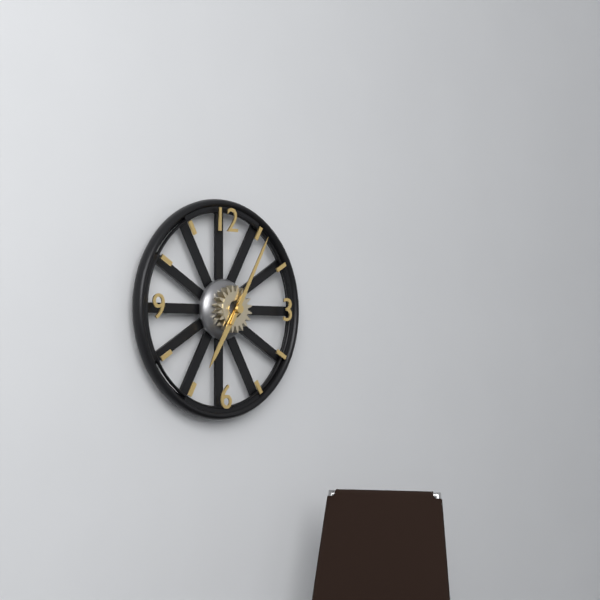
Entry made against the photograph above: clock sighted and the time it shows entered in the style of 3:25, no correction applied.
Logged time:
7:05
